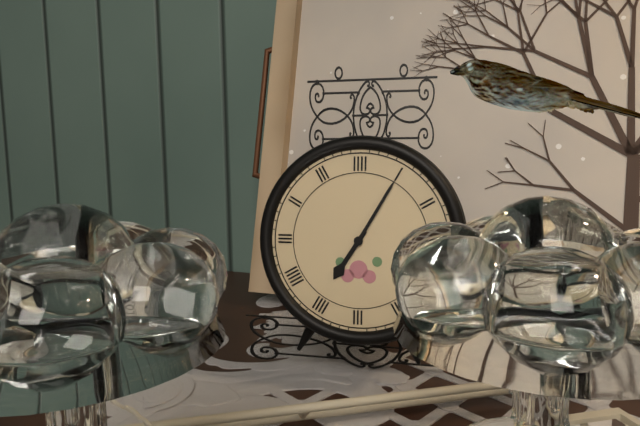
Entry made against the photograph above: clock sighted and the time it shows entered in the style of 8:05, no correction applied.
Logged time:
7:05
